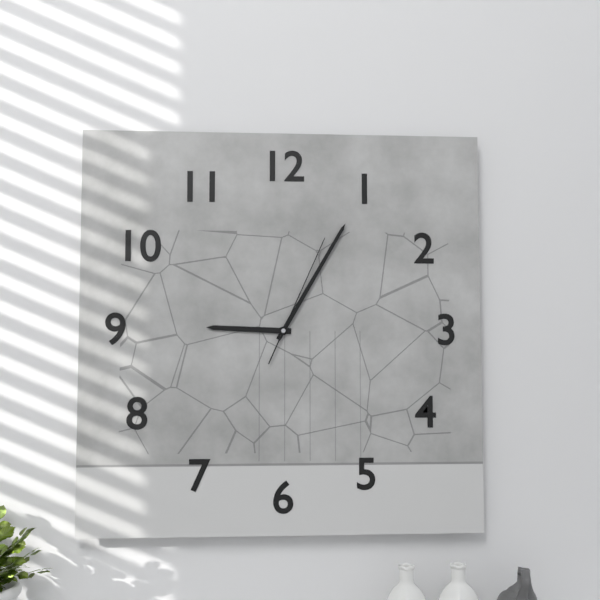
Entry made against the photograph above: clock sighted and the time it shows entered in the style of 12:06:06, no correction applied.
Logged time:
9:05:04
